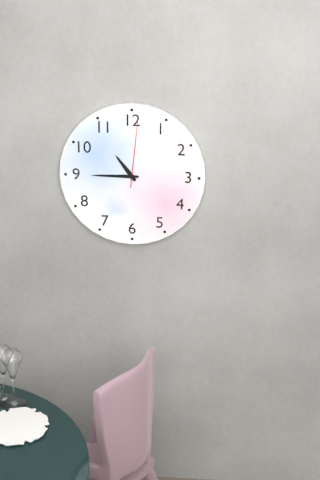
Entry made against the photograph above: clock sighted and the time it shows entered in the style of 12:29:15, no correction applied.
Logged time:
10:45:01
